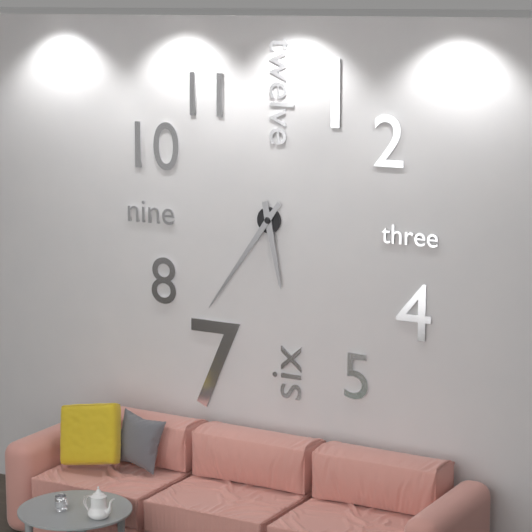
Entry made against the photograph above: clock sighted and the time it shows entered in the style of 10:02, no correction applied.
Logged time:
5:36
